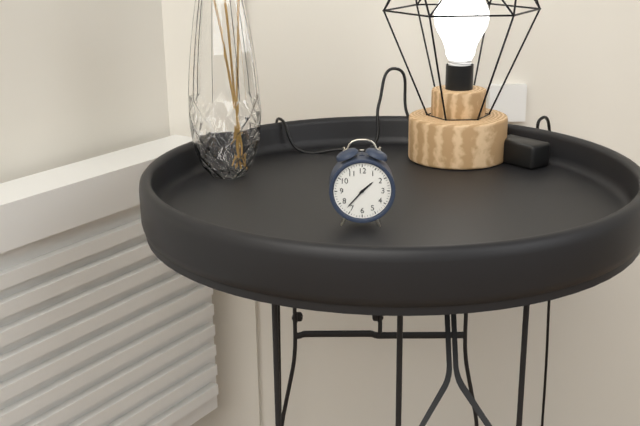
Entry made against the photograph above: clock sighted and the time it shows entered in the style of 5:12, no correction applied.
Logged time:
1:37
